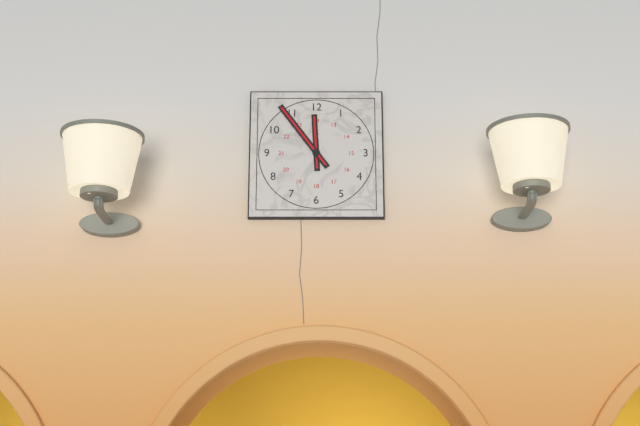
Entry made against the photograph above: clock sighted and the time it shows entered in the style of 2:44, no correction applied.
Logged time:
11:54
